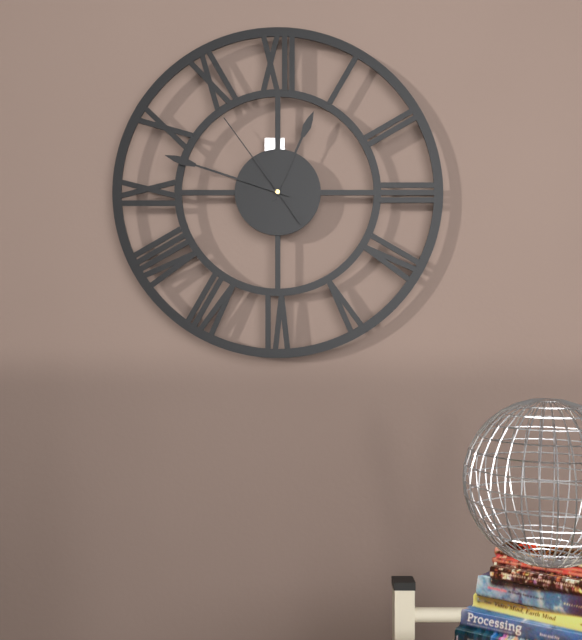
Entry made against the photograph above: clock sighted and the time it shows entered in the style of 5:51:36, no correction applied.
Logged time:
12:48:54
